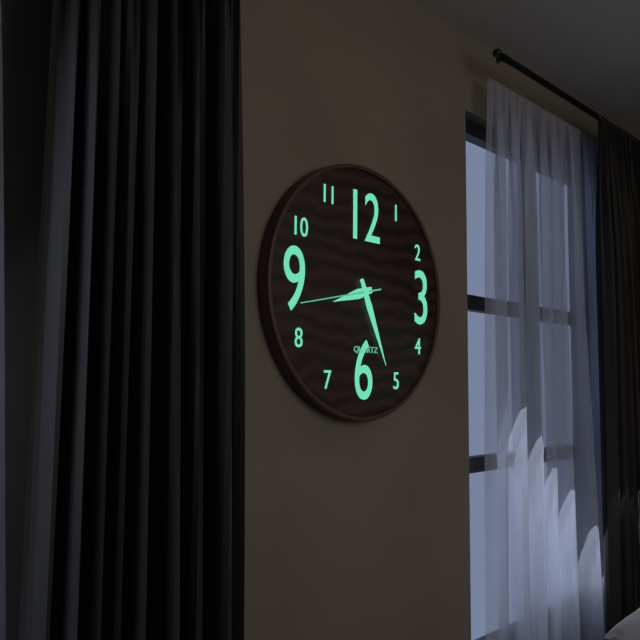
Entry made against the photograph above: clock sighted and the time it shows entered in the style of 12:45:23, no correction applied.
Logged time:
8:26:43
